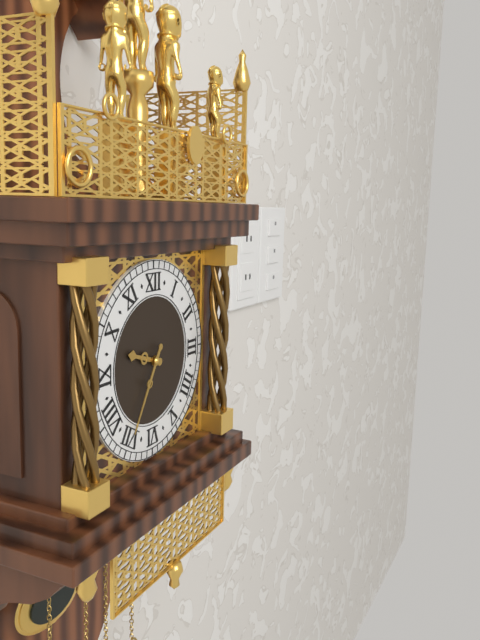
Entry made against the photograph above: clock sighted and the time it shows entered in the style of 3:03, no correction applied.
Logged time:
9:35
